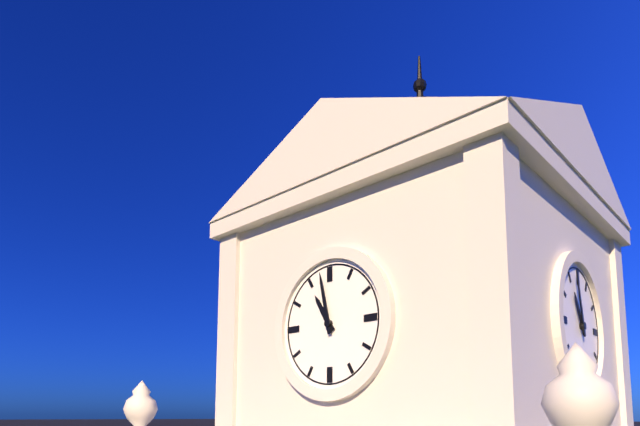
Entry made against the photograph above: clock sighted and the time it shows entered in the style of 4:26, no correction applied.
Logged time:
10:58
